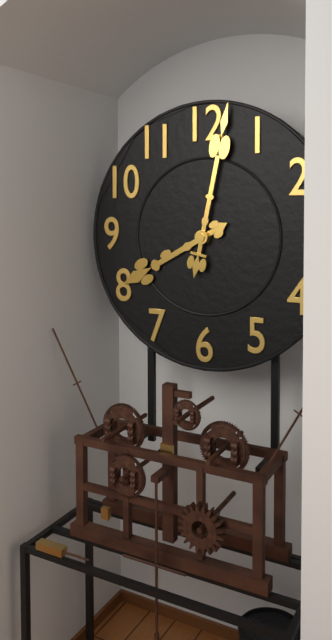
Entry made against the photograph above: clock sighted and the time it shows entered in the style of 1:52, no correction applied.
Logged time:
8:02
